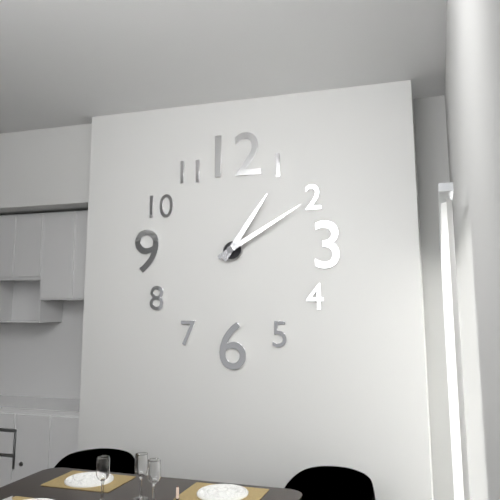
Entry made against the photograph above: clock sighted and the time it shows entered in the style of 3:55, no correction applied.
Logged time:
1:10
